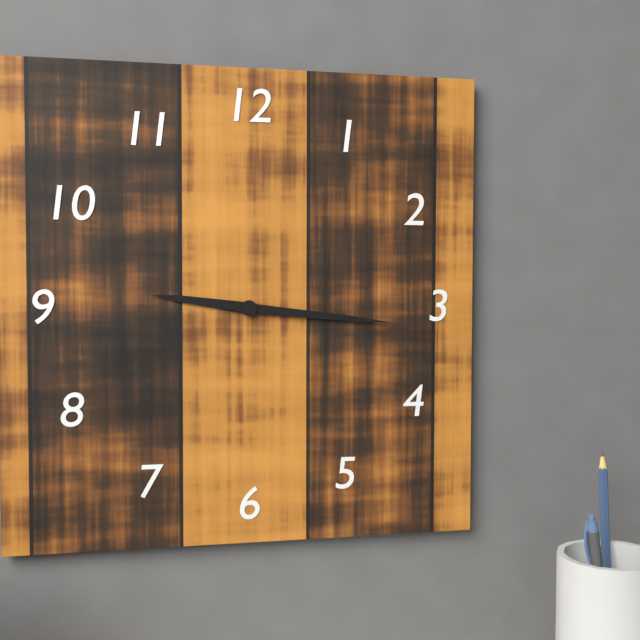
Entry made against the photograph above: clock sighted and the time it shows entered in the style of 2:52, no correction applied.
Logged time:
9:16
